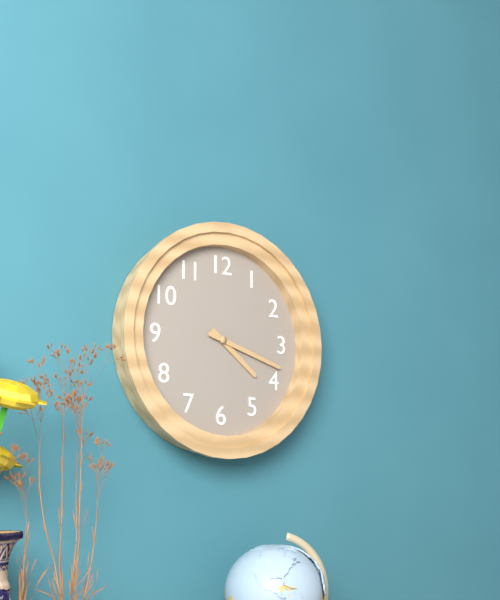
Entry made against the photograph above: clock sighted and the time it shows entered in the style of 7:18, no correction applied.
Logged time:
4:18
